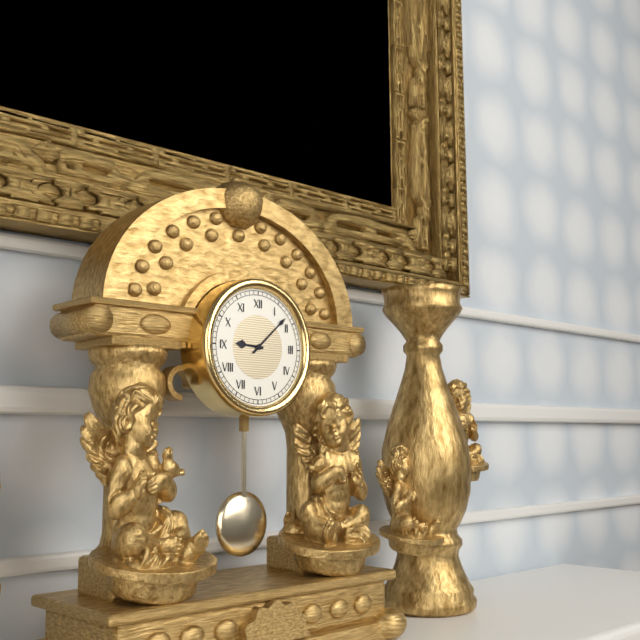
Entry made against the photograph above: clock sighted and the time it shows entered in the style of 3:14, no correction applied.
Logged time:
9:08
